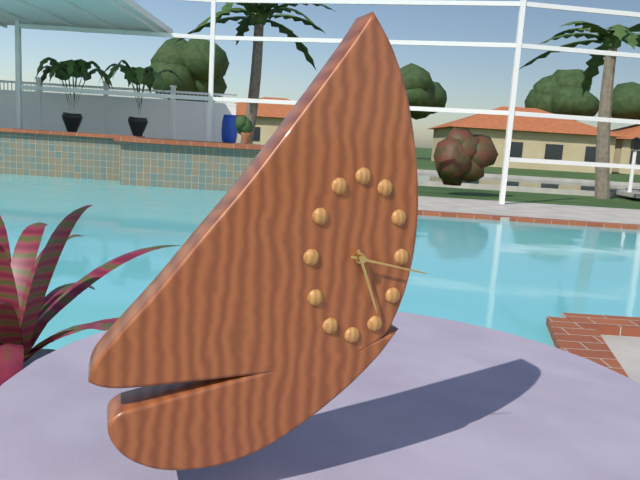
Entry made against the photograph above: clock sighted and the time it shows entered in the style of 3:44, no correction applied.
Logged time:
5:17
